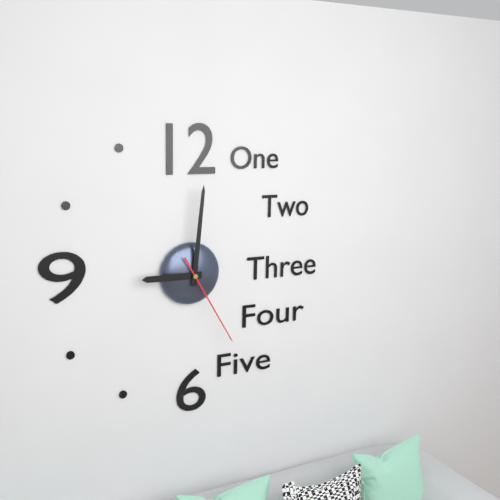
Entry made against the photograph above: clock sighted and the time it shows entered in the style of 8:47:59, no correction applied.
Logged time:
9:01:25
